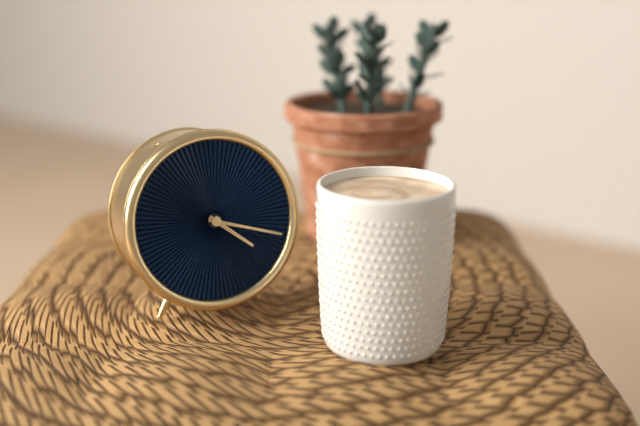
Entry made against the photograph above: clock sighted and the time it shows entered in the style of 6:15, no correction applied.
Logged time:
4:18
